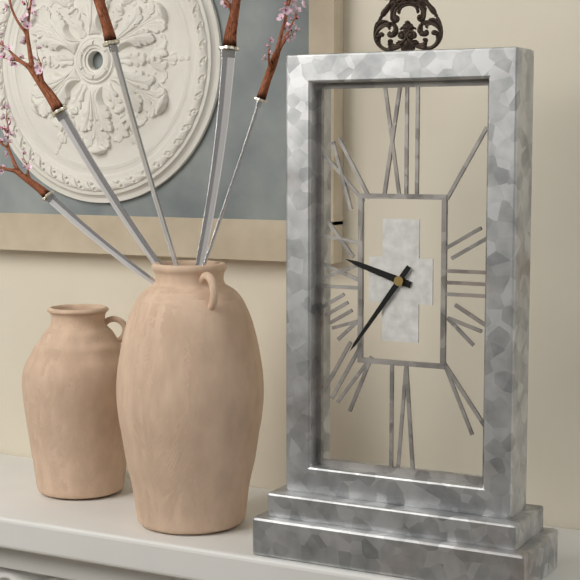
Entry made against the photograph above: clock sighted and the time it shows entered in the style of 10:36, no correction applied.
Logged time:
9:36
